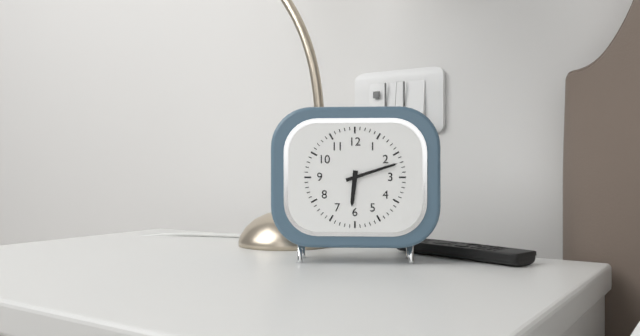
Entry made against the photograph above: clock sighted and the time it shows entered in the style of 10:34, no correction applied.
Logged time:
6:12
